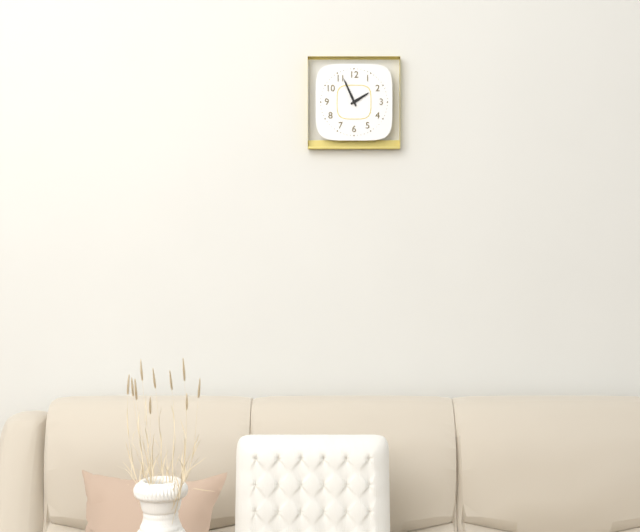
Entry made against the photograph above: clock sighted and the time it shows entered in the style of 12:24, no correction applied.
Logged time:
1:56
